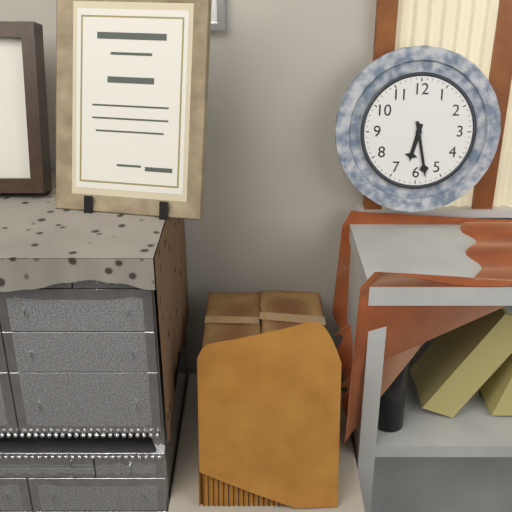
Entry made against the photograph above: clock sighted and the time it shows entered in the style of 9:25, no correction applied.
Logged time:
6:28
